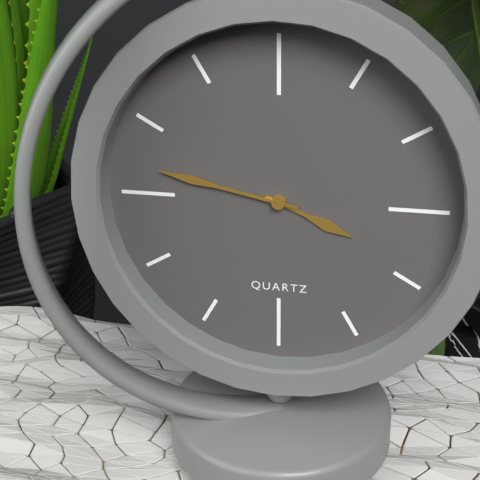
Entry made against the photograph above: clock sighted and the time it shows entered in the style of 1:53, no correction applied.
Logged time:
3:47
